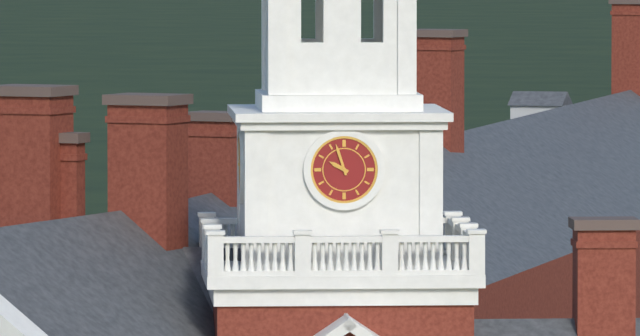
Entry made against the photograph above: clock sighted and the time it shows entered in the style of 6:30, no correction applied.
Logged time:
9:57
